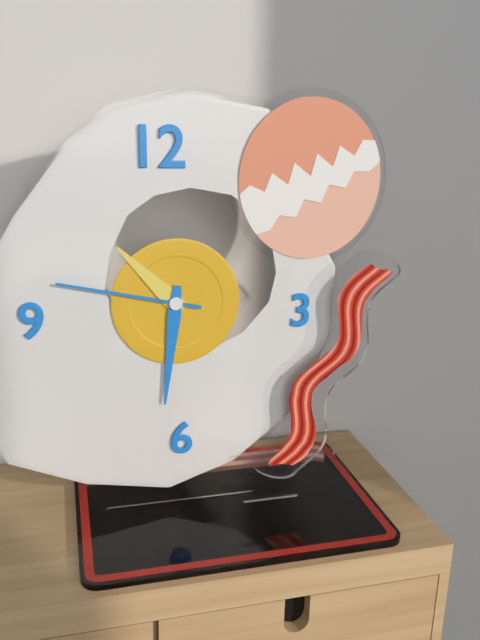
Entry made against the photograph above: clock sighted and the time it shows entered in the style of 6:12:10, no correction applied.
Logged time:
10:31:47
